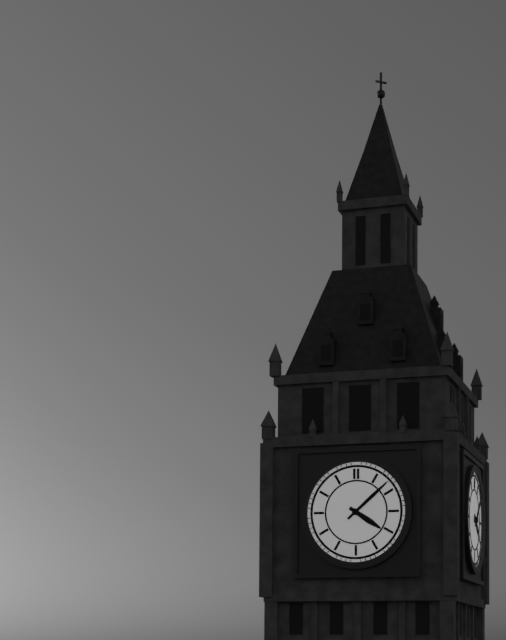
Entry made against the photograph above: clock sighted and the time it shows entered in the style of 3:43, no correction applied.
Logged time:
4:08
